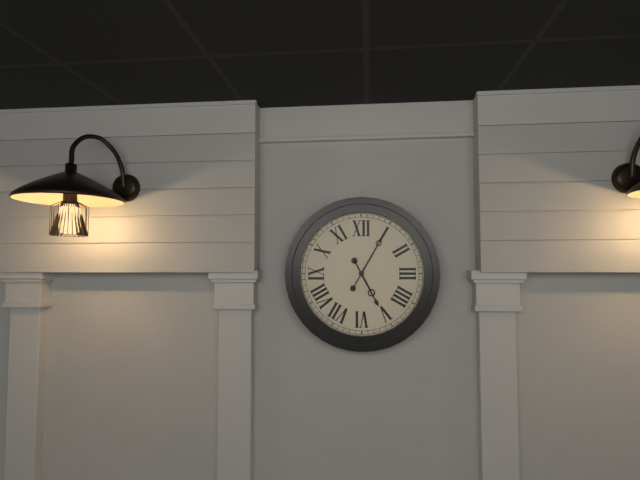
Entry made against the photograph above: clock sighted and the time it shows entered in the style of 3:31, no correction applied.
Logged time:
5:05
